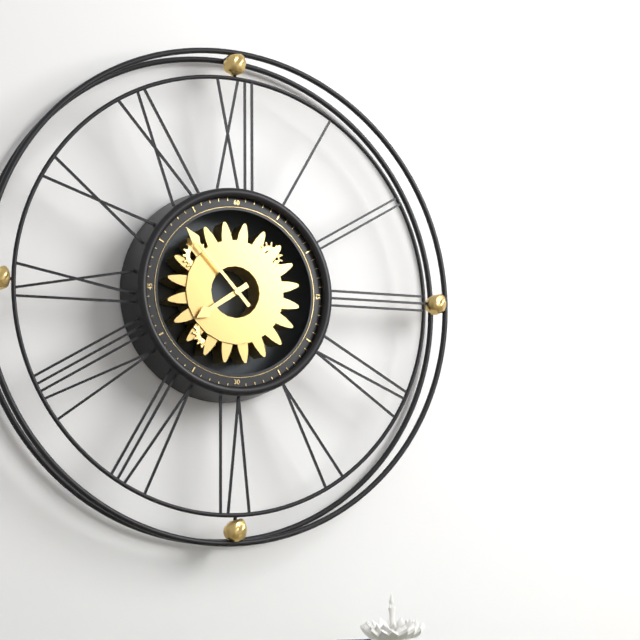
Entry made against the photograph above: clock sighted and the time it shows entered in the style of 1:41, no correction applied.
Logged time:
7:53
